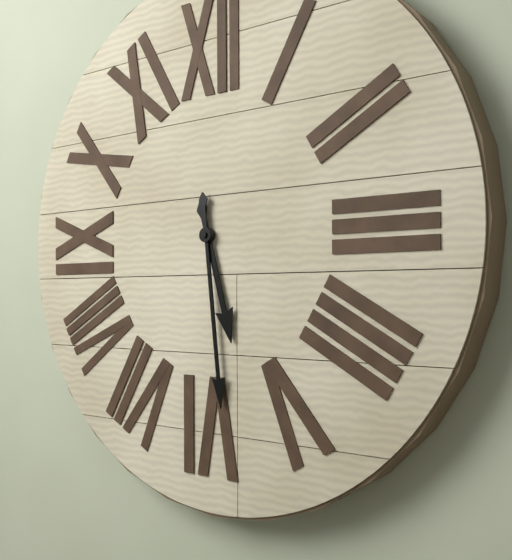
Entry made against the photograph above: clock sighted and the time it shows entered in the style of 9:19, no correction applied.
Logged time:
5:29
